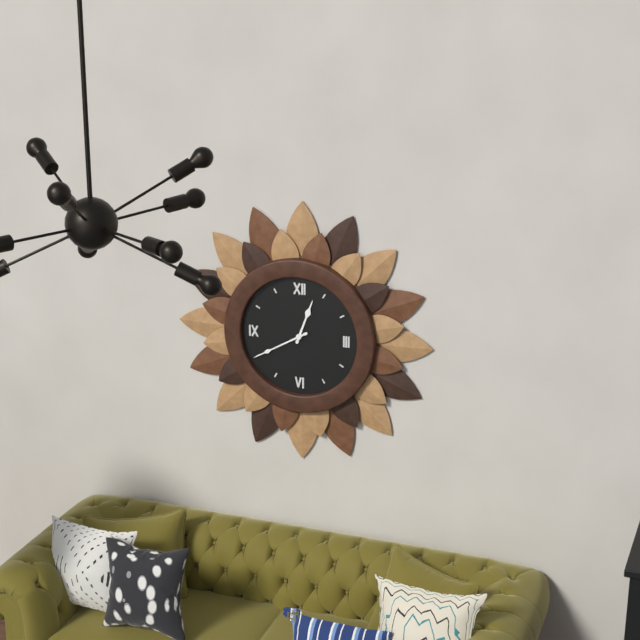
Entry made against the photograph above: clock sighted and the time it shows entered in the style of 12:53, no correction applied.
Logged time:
12:40
